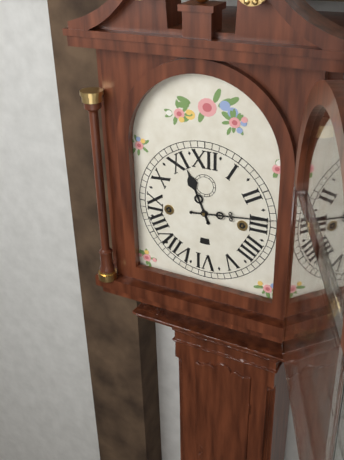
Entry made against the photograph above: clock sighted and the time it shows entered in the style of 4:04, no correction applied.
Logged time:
11:14
